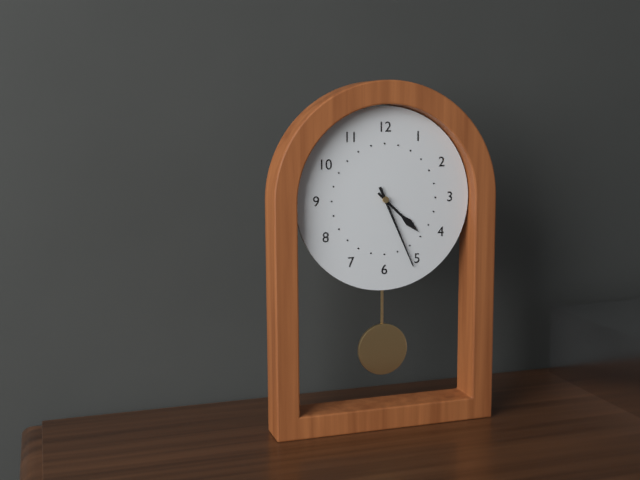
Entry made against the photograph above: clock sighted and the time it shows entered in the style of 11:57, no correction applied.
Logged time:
4:26
